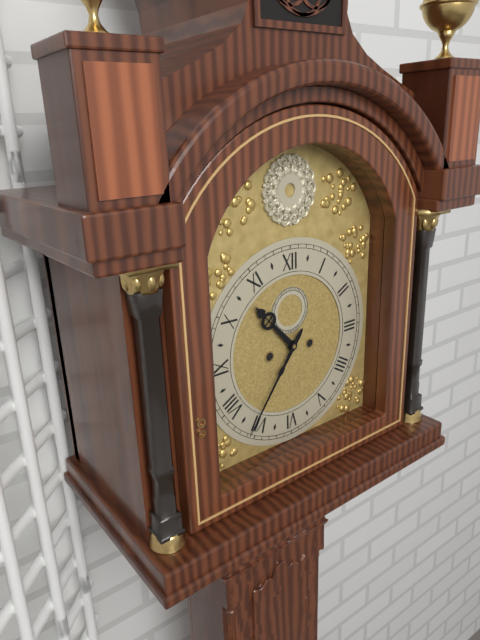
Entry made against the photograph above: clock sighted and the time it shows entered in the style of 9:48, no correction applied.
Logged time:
10:36
